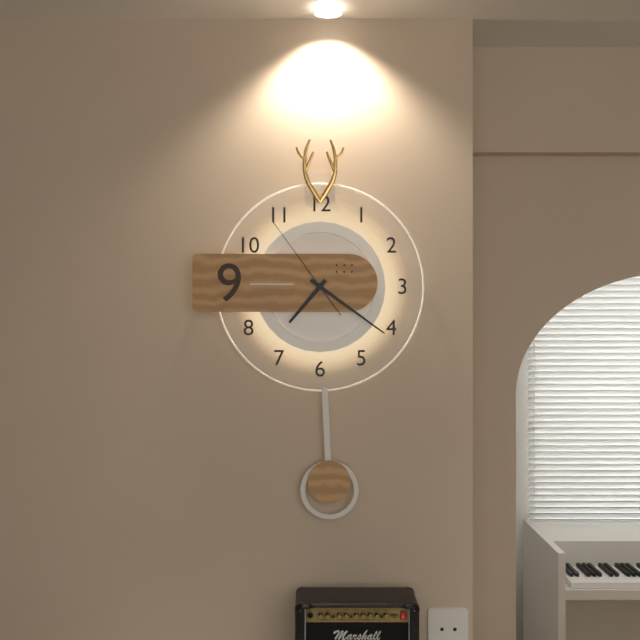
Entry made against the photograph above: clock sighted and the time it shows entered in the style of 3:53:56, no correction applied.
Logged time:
7:21:54
